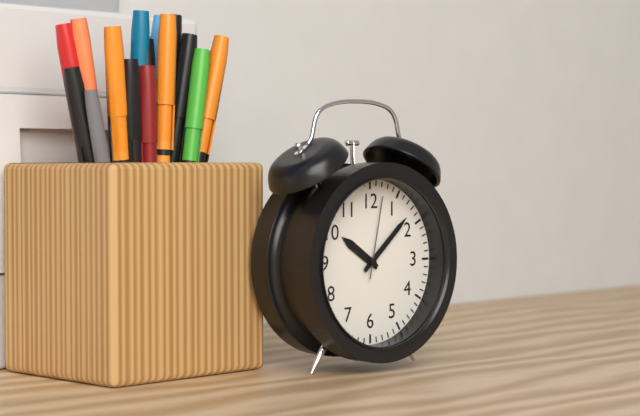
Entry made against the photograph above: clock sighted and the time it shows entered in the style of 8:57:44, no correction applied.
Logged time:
10:08:02
